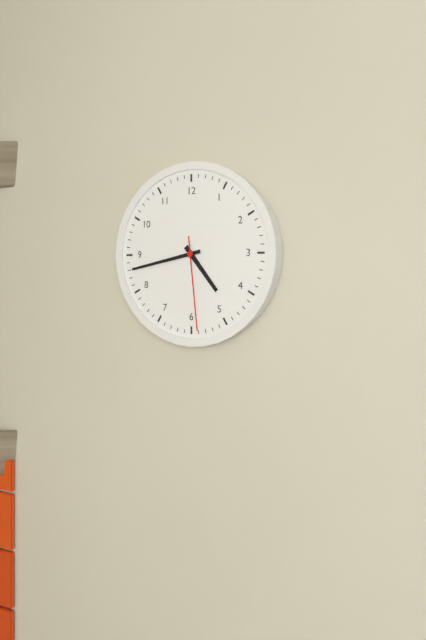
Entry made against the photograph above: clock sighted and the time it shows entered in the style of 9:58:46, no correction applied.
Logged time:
4:43:29
